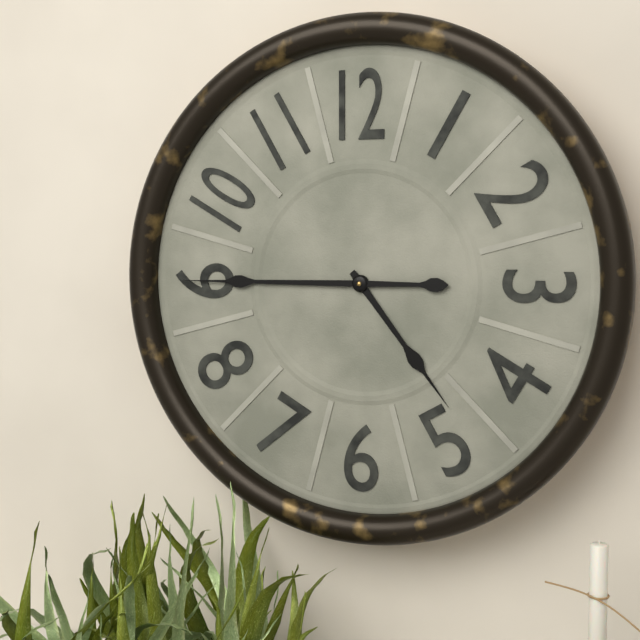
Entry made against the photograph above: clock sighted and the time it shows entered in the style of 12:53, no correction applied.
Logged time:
4:45
